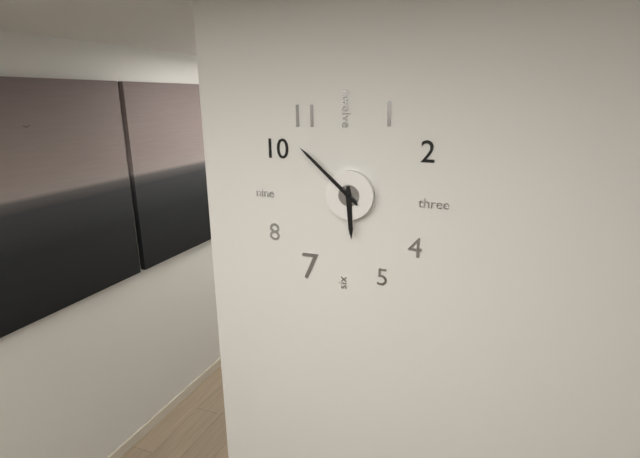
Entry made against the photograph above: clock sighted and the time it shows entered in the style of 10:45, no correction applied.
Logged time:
5:52
